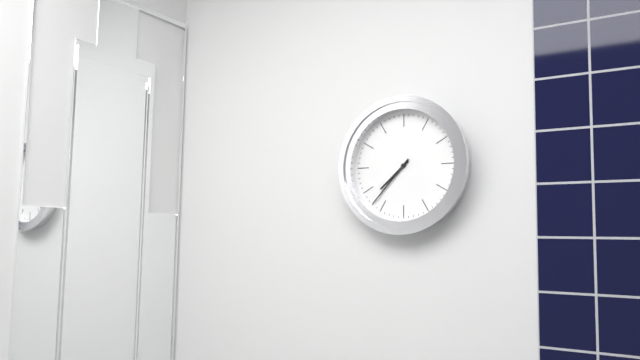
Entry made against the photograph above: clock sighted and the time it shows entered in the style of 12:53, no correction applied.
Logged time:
7:37
